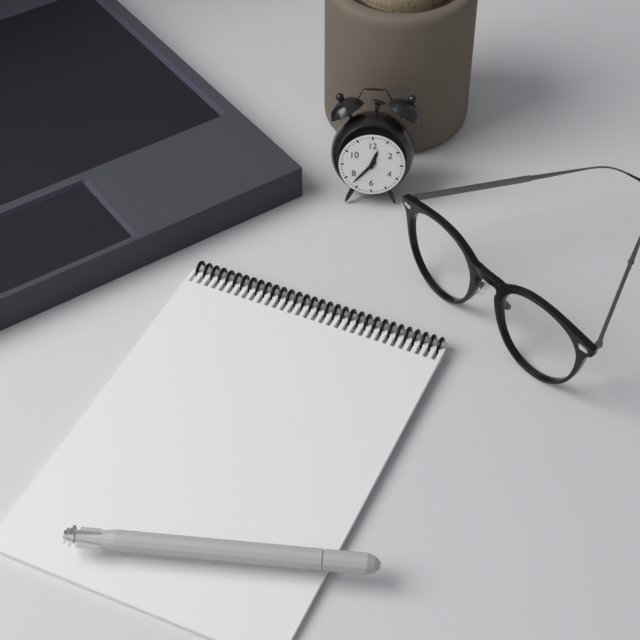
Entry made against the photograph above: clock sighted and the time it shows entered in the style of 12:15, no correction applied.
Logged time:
12:37
